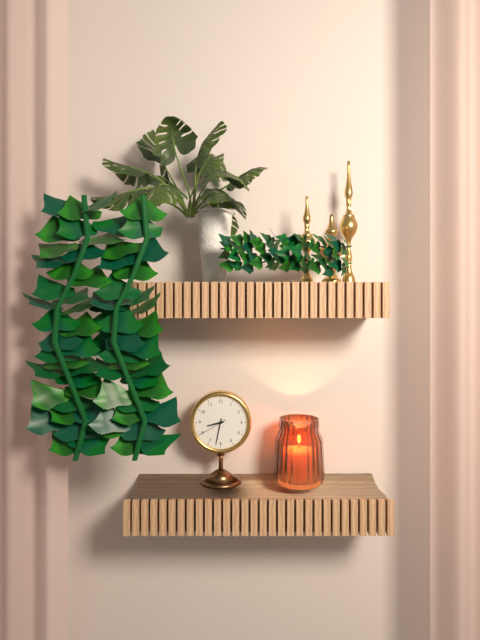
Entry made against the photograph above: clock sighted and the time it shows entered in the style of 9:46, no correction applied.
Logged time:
8:32
